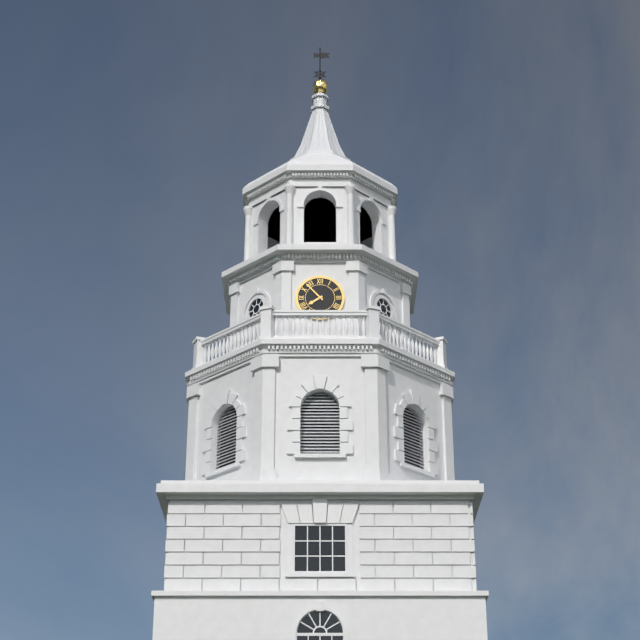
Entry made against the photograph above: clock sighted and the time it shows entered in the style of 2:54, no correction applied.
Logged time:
7:53
